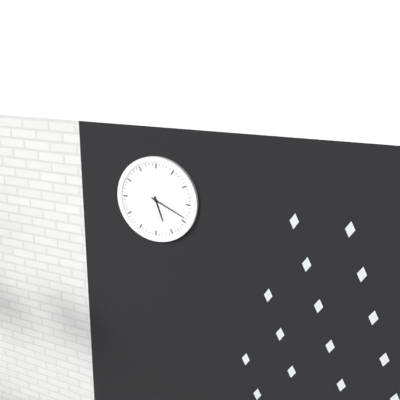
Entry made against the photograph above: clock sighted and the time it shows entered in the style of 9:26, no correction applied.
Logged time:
5:19
